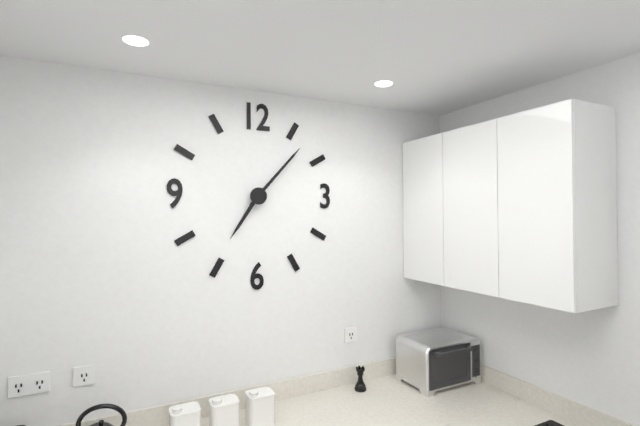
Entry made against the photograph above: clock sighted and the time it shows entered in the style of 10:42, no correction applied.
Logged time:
7:07
